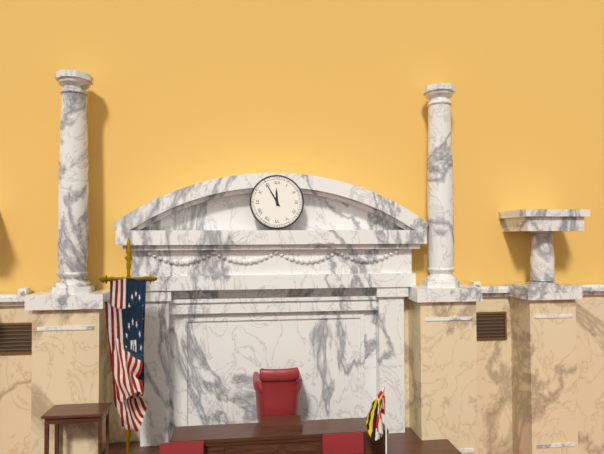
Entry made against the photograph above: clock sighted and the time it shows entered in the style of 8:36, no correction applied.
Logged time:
11:55
